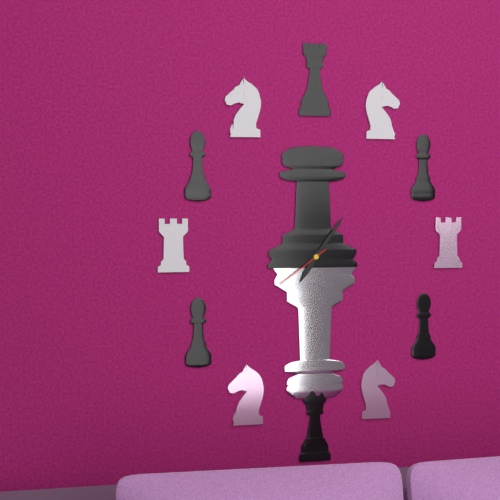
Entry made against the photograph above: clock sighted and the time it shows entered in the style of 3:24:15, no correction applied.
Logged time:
7:06:39
